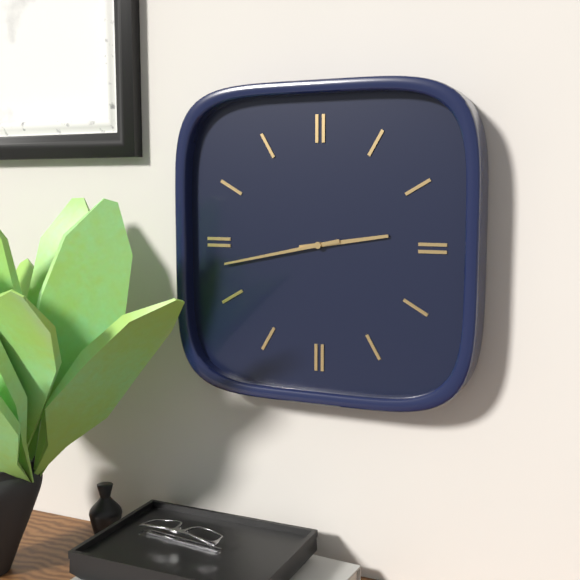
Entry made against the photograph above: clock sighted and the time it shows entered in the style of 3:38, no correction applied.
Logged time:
2:43
